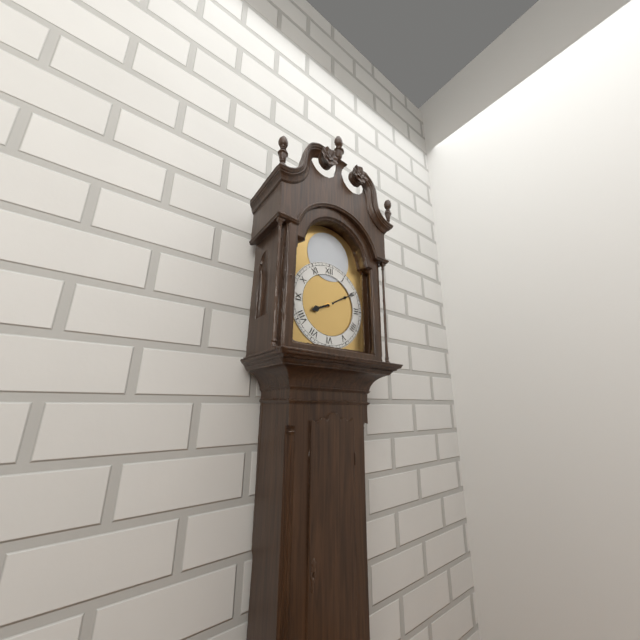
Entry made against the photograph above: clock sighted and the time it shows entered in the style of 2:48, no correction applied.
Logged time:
8:10
